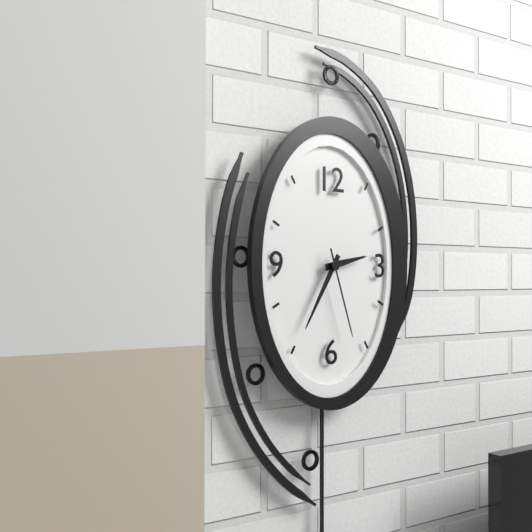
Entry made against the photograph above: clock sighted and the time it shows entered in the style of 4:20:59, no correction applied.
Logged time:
2:35:27
